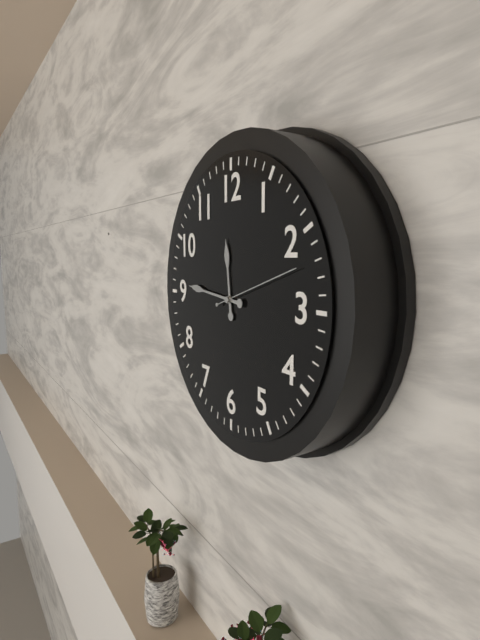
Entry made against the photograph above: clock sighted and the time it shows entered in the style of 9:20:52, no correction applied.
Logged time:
11:46:12
